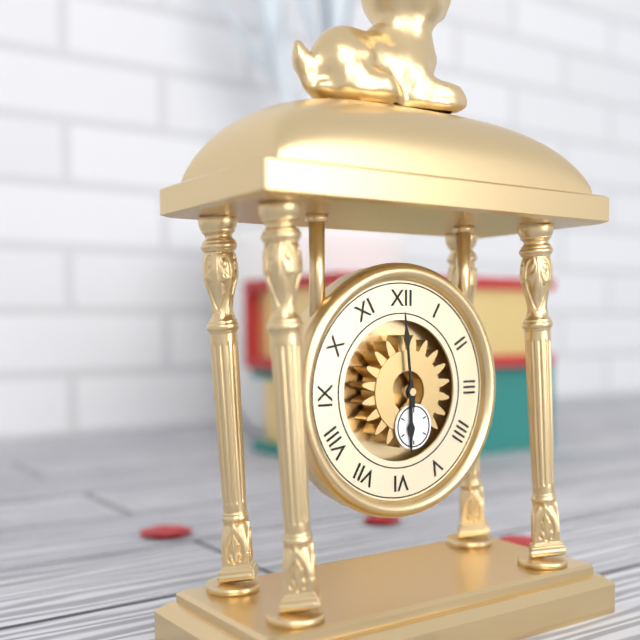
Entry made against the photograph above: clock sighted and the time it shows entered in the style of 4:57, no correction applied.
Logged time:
5:59
